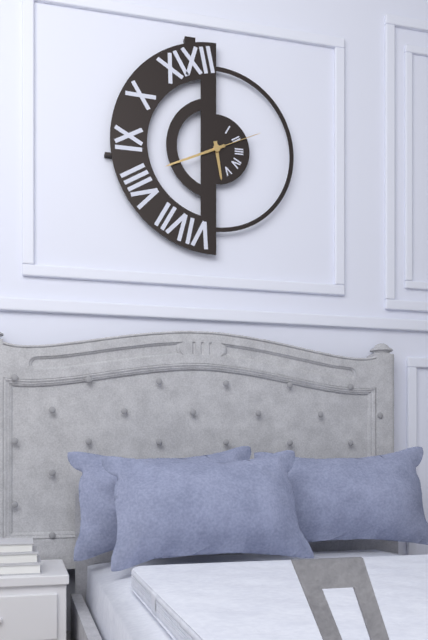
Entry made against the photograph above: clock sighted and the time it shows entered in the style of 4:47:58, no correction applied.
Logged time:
5:41:11
